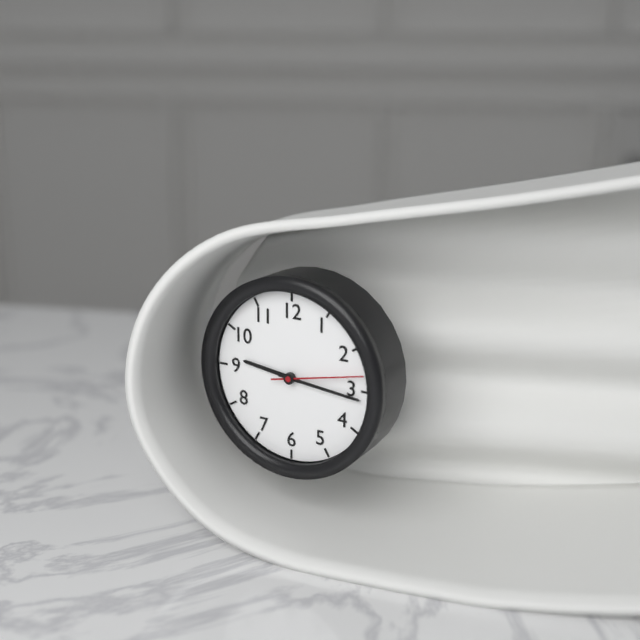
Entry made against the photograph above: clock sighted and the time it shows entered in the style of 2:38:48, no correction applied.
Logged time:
9:16:13
